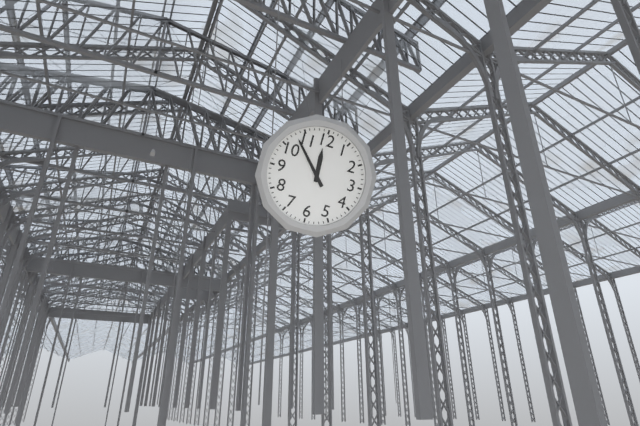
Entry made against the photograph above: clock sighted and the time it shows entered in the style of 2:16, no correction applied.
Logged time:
11:53
